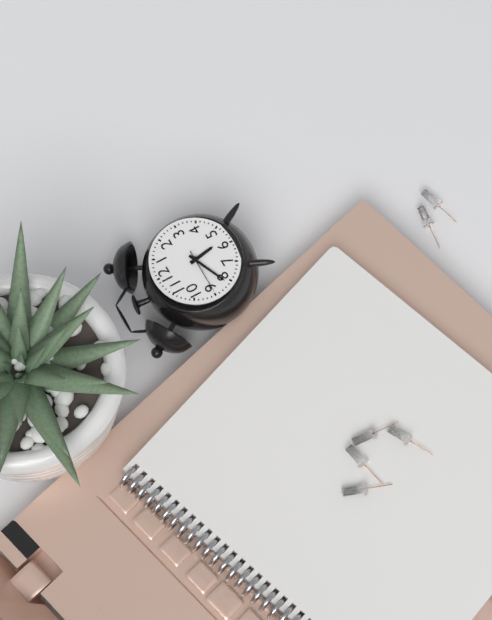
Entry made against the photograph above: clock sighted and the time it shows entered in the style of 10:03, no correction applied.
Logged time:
5:41
